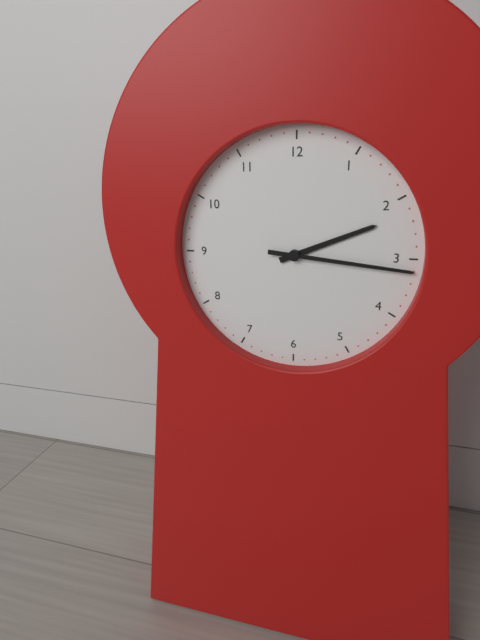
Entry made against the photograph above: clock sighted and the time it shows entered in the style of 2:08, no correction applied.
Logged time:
2:16
